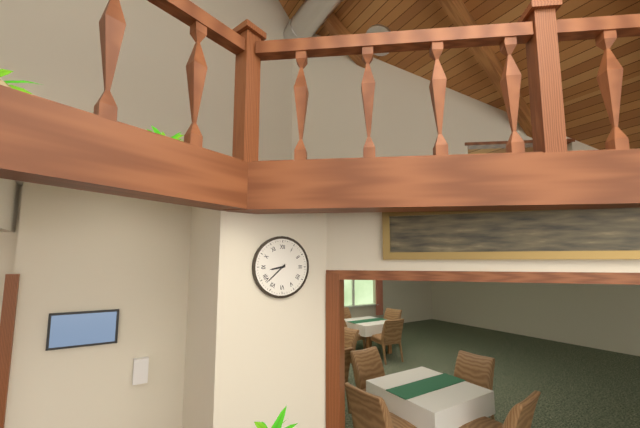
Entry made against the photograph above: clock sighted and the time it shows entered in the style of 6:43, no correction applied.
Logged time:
8:38
